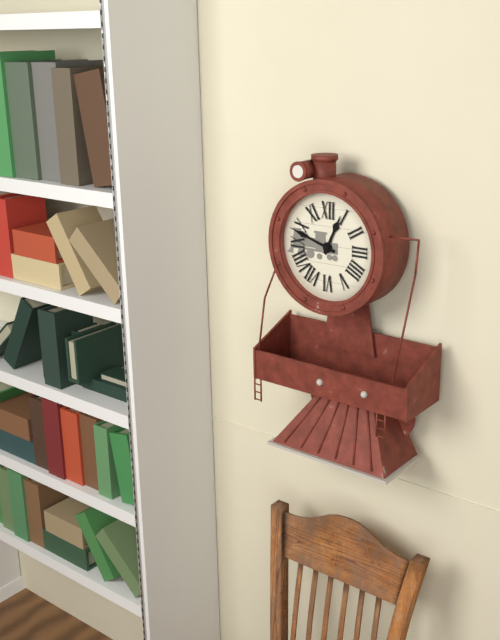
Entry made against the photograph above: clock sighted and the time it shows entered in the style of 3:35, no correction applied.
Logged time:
12:48
